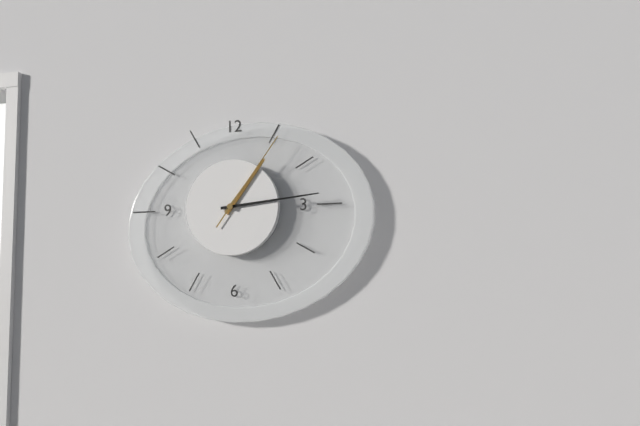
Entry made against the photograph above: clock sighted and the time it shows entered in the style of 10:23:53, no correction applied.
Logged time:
1:14:06
